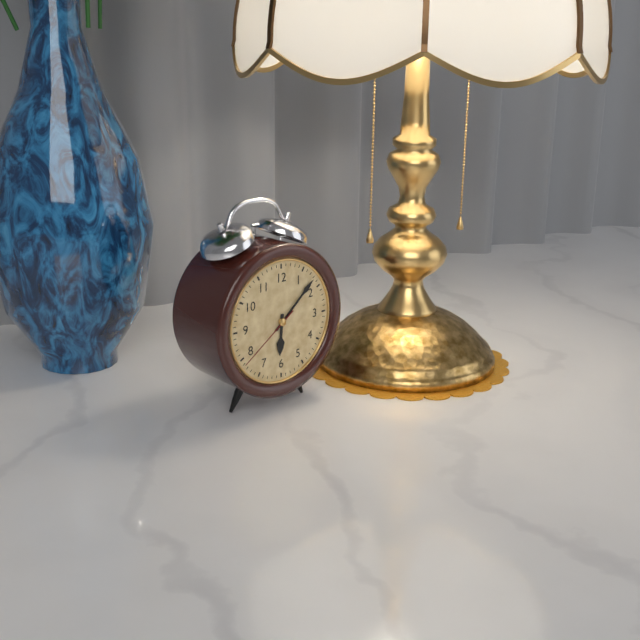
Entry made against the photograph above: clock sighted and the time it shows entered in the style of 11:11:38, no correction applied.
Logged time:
6:08:39
